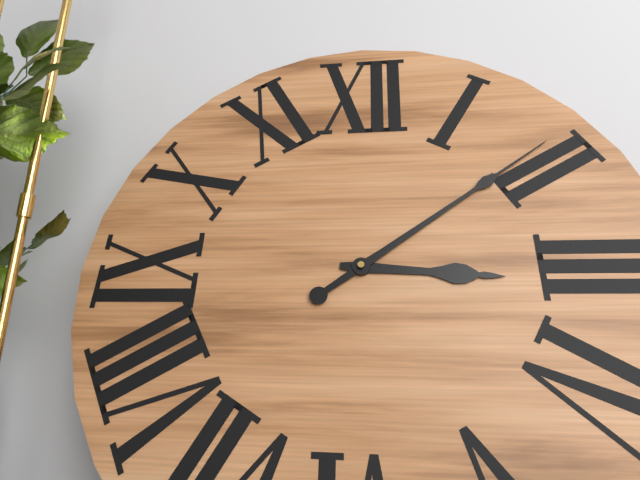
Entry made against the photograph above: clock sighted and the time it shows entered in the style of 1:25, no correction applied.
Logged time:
3:09
